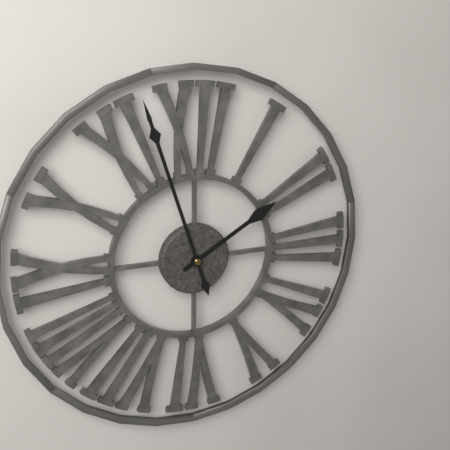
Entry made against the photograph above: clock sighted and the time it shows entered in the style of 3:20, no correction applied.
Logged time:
1:57
